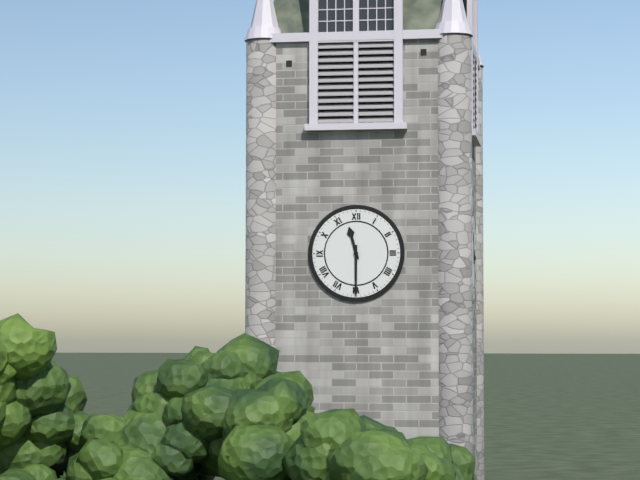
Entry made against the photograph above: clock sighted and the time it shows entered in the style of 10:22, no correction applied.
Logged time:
11:30
